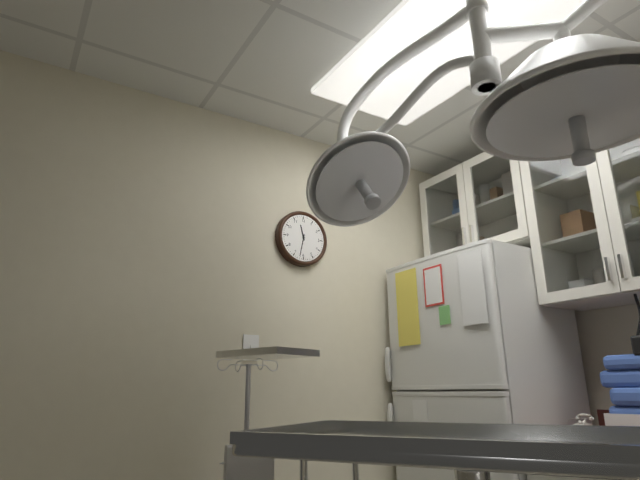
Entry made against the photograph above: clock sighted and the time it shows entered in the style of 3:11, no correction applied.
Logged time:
11:32
